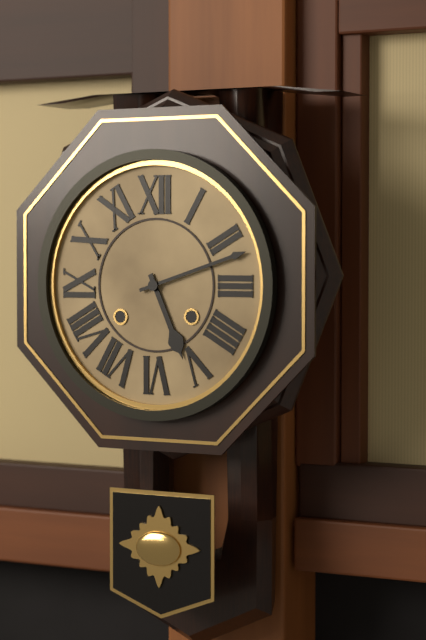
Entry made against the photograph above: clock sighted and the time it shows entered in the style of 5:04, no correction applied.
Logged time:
5:12
